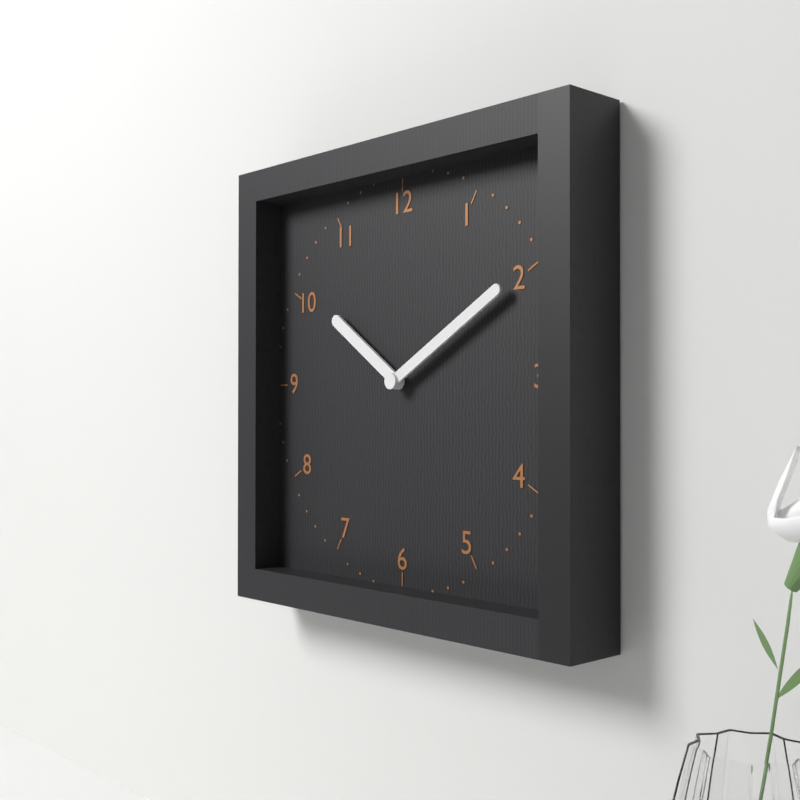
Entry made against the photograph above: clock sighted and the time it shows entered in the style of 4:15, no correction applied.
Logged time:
10:10
